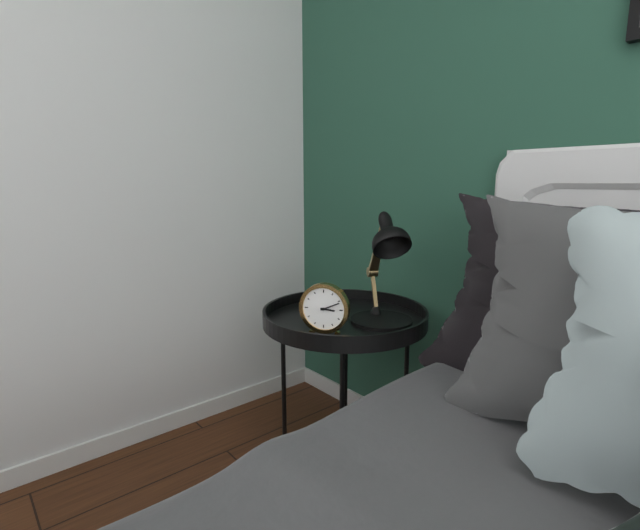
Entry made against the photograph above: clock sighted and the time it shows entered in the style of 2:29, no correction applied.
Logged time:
3:11
